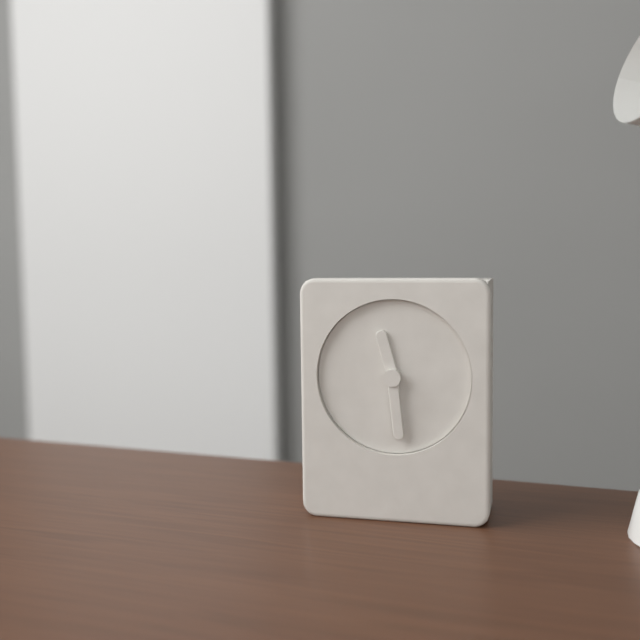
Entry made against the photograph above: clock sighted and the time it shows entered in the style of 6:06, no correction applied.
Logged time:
11:29
